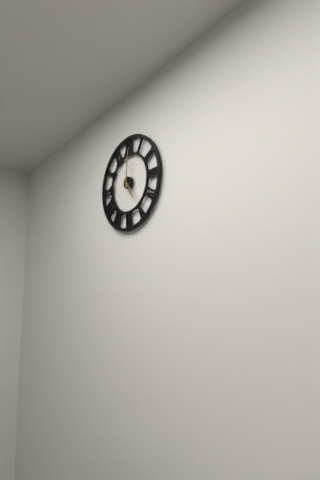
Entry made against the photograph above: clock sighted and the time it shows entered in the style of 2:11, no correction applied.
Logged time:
5:01
